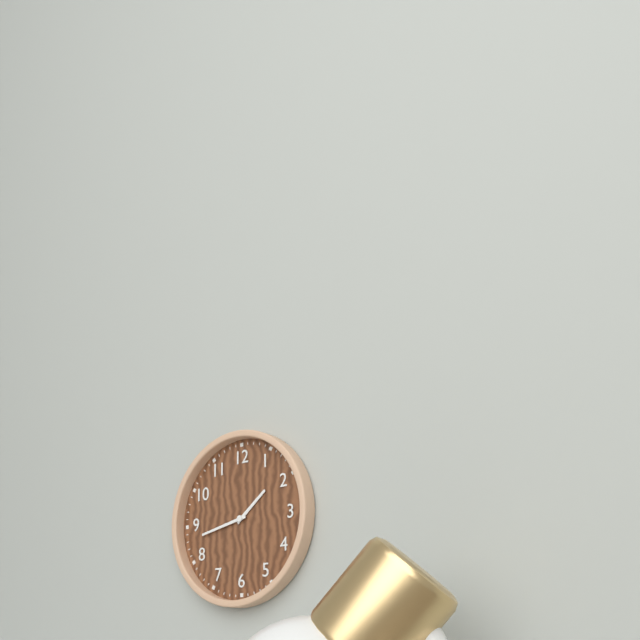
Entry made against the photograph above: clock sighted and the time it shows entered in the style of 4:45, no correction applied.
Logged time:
1:43
